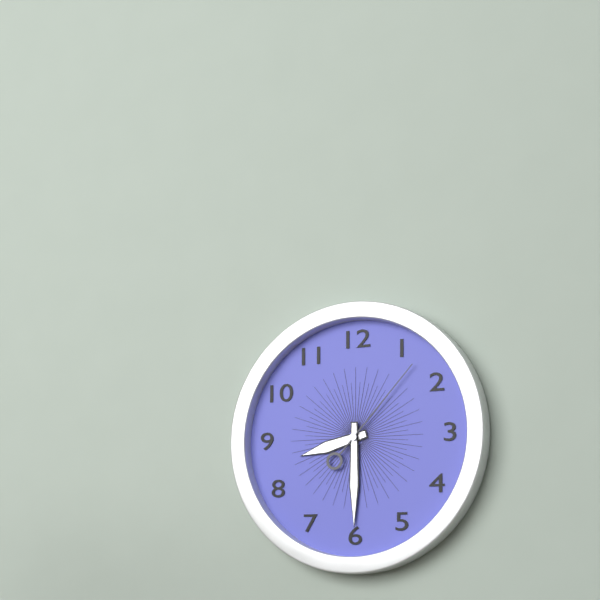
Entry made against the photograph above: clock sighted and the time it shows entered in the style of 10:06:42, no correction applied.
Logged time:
8:30:07
